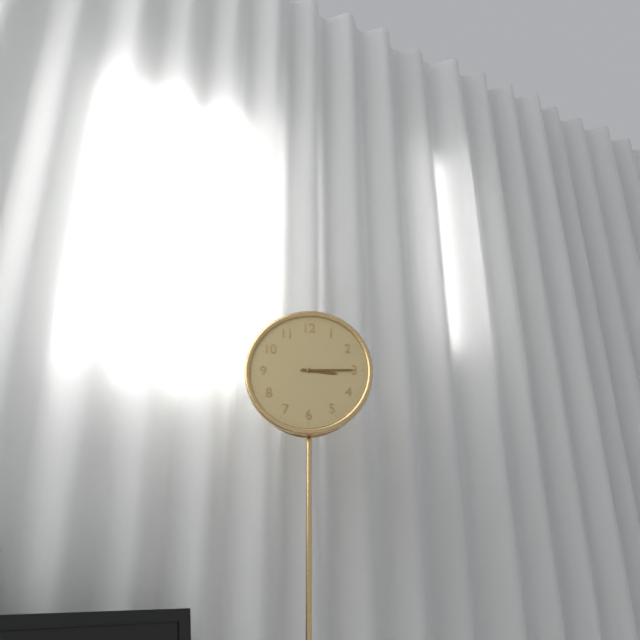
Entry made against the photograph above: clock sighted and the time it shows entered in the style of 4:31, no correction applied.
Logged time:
3:15
